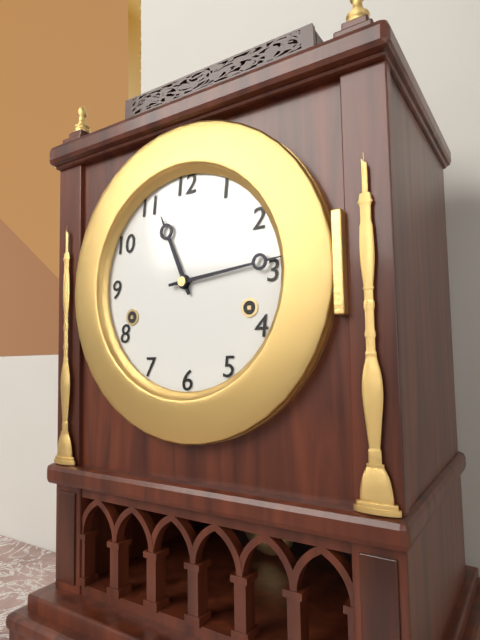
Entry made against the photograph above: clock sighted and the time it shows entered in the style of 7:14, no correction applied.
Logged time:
11:14
